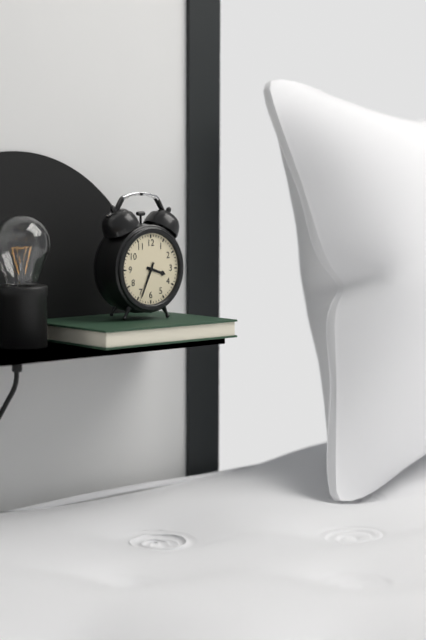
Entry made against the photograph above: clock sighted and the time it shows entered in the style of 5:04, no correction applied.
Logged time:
3:34
